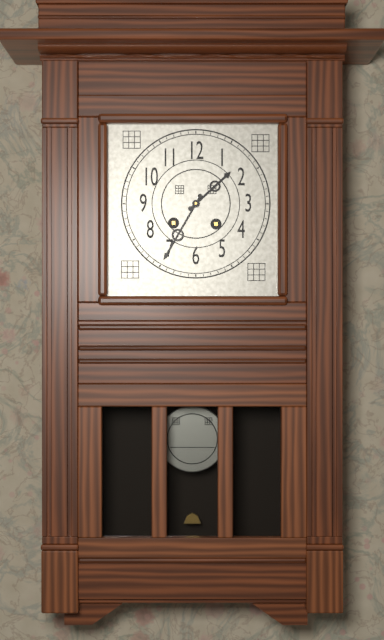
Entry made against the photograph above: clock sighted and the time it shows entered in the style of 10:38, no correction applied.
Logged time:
1:35
